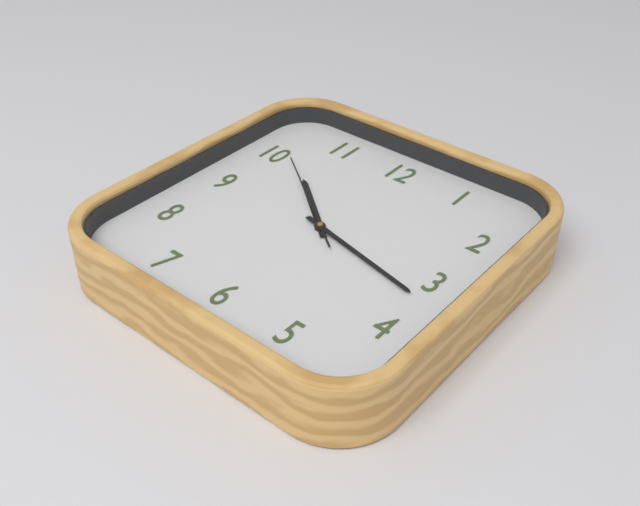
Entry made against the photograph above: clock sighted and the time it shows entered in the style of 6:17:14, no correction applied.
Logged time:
10:17:51
